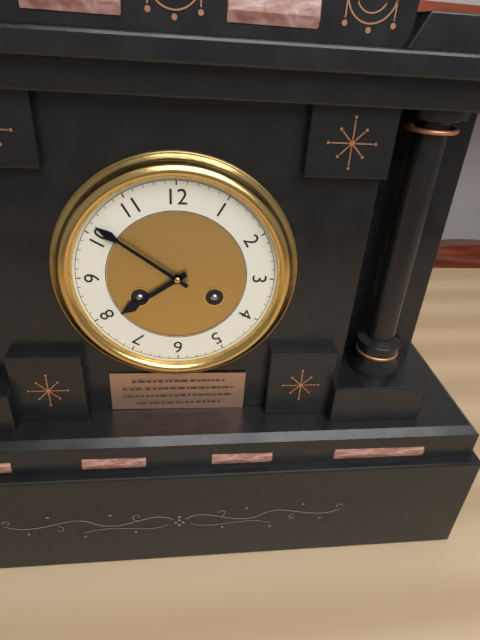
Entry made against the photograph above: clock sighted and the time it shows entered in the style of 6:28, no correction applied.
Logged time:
7:51
